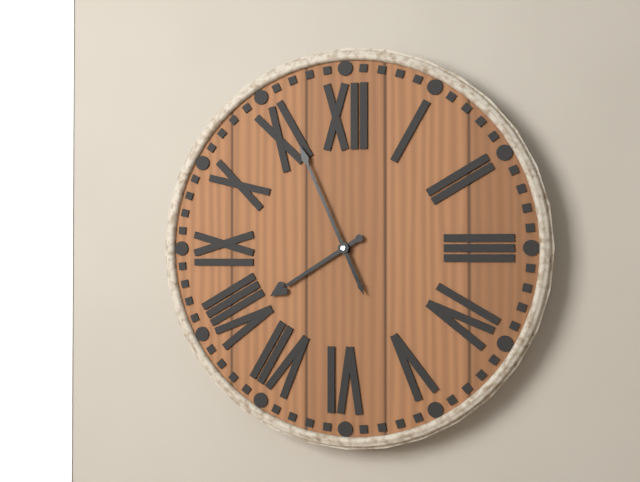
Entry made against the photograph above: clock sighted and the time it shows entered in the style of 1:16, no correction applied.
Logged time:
7:56
